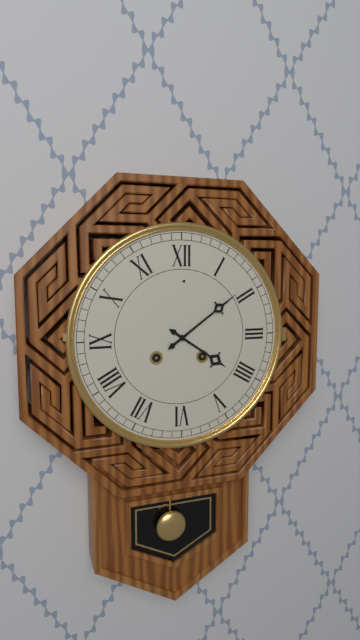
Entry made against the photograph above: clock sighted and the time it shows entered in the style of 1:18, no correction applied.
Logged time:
4:09
